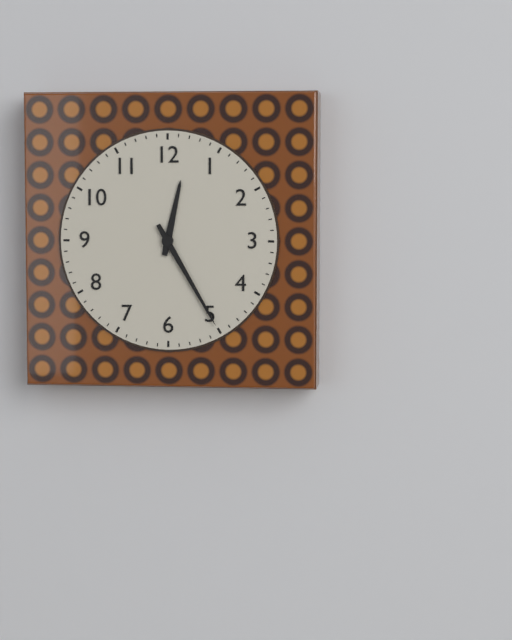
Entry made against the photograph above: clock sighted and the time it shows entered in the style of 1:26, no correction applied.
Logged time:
12:25
